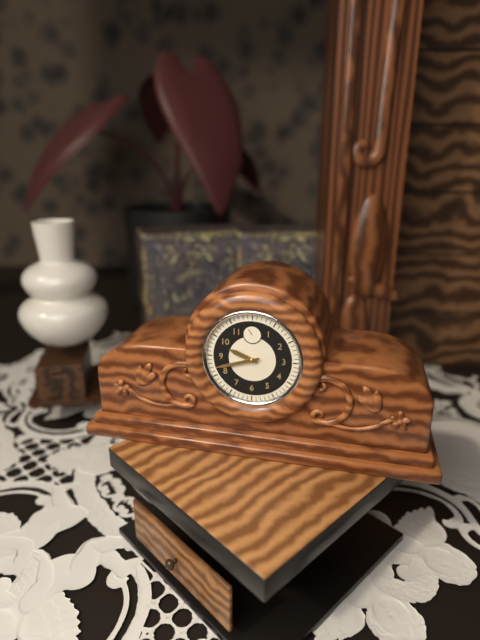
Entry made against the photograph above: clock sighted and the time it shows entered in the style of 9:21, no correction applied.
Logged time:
9:42
